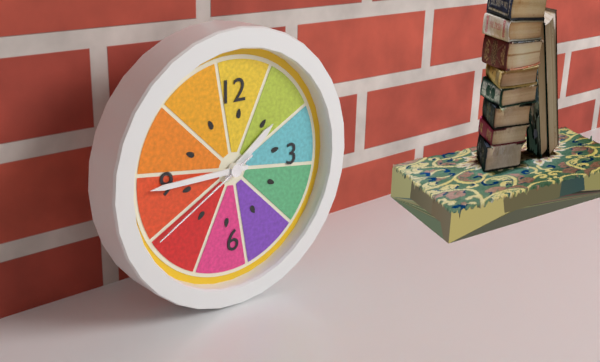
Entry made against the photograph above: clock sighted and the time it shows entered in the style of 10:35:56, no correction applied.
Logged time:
1:45:40
